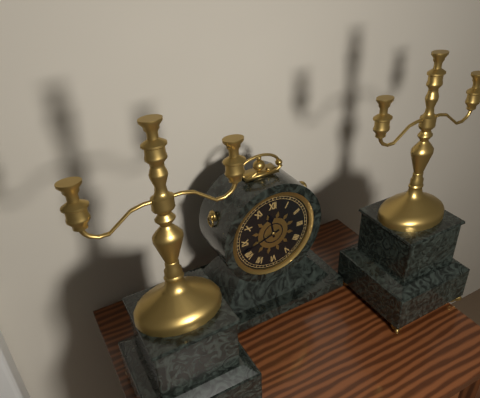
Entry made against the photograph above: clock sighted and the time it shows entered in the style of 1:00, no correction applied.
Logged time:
11:42
